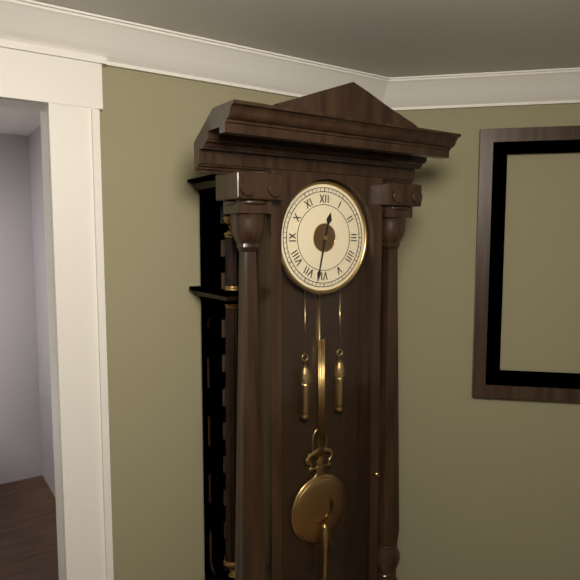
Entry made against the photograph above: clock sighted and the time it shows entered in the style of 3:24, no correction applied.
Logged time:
12:32
